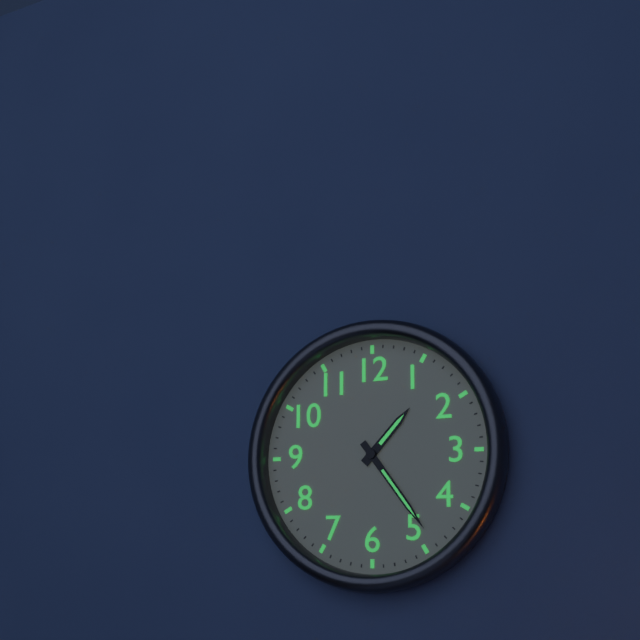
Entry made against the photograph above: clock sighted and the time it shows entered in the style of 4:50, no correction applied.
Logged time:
1:24
